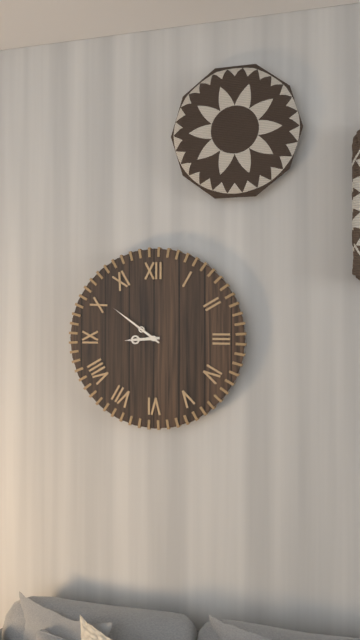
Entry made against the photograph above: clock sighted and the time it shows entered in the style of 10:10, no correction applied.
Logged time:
8:51
